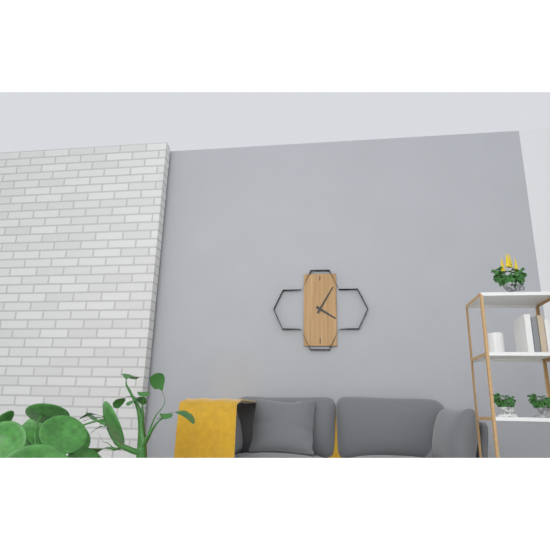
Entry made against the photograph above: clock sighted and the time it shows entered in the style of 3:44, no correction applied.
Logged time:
4:05
